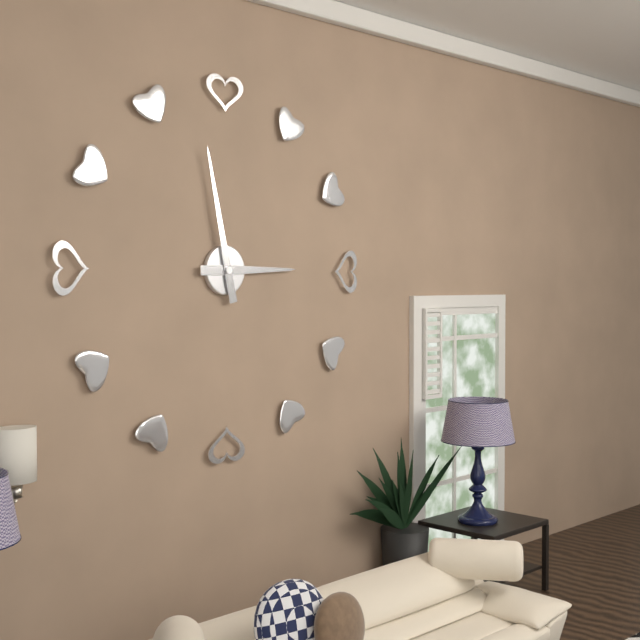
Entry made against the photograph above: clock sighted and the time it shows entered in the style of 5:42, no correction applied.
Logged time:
2:58
